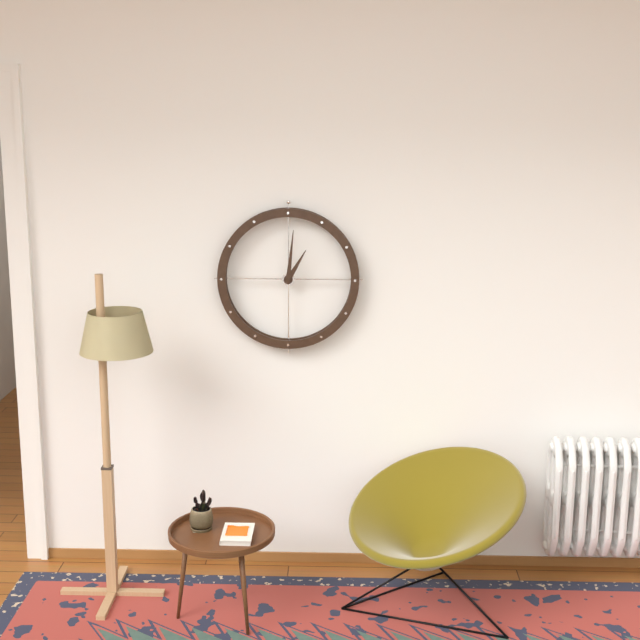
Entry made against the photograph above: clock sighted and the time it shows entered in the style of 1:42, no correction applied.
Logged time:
1:01
